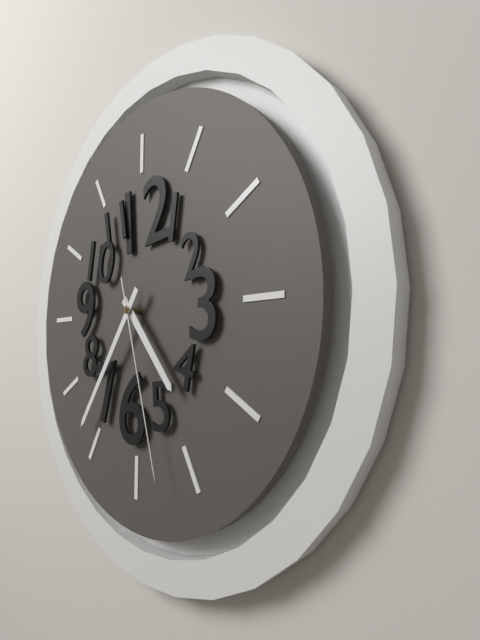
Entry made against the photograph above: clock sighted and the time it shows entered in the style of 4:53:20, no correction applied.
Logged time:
4:36:27
